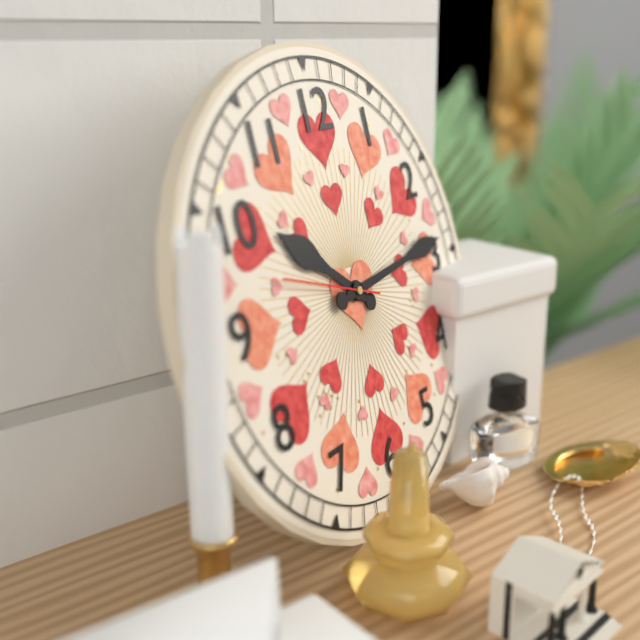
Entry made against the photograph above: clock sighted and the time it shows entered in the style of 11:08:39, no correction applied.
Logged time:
10:14:48
